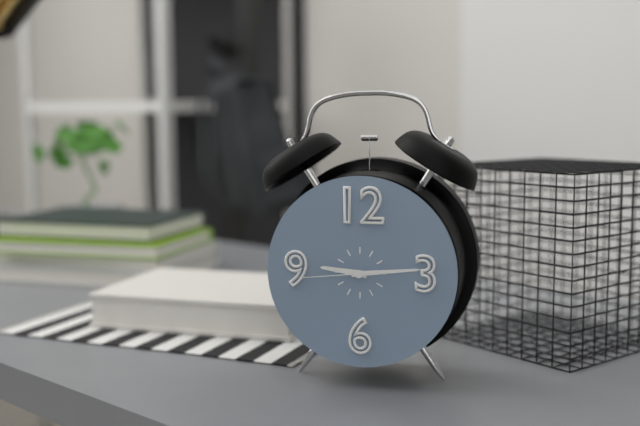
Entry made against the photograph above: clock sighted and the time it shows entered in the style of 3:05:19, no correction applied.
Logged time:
9:14:44
